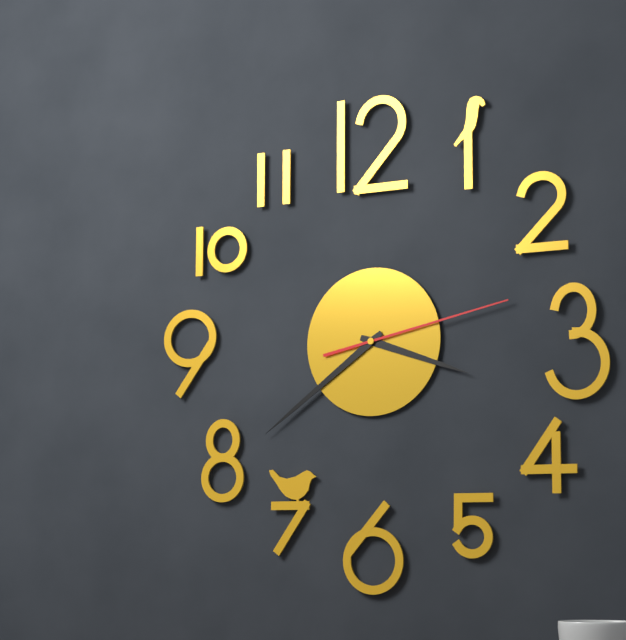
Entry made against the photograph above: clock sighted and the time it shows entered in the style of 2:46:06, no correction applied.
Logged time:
3:39:13
